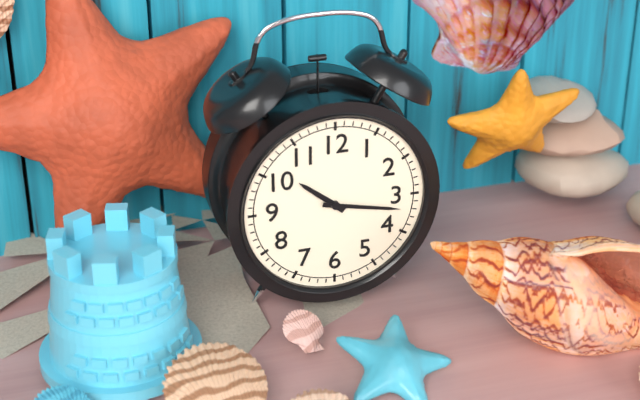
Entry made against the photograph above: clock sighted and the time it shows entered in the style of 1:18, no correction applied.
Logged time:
10:17
